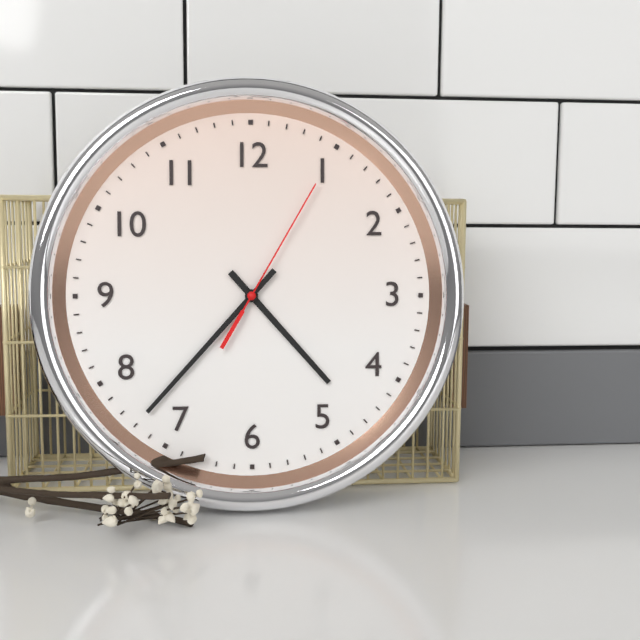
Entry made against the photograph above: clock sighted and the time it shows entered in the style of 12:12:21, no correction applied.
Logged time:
4:37:05
